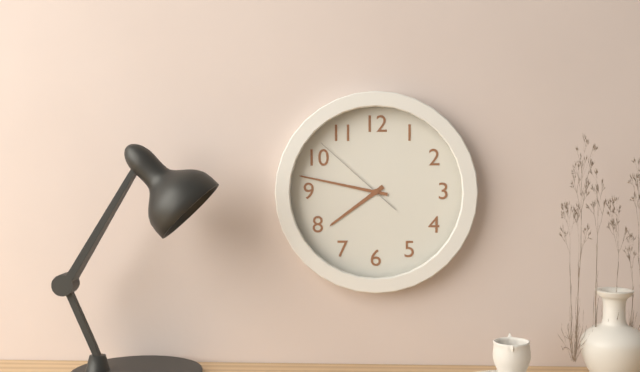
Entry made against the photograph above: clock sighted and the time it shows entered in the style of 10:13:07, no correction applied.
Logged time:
7:47:52
